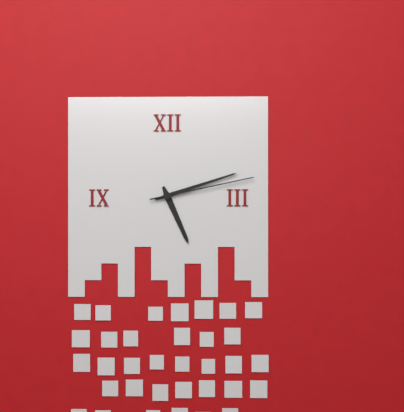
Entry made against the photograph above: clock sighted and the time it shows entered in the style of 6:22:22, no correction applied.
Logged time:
5:12:13
